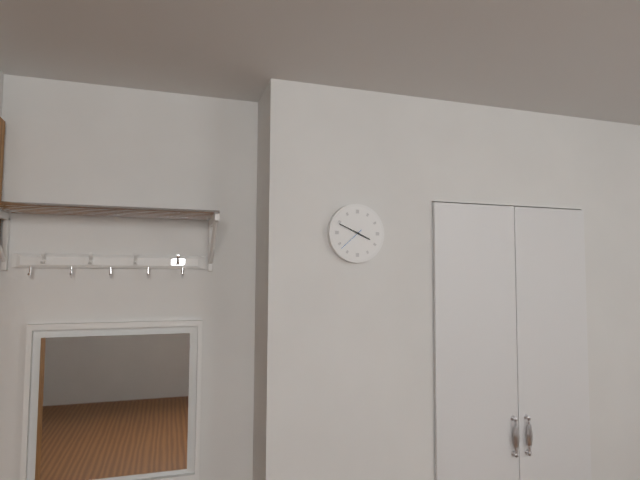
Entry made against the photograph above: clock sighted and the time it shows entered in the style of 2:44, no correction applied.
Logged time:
3:49
